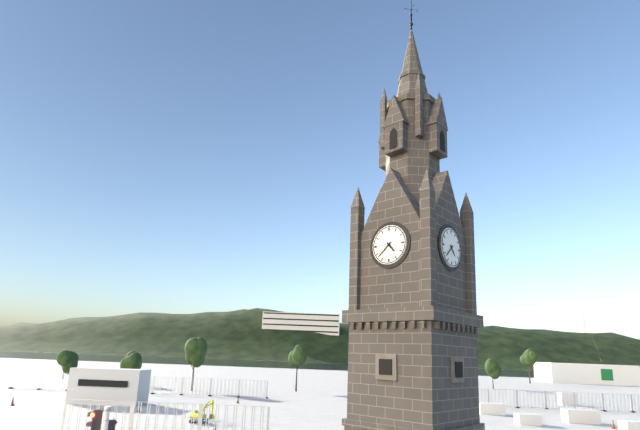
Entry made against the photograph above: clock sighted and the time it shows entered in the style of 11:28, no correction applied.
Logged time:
4:38
